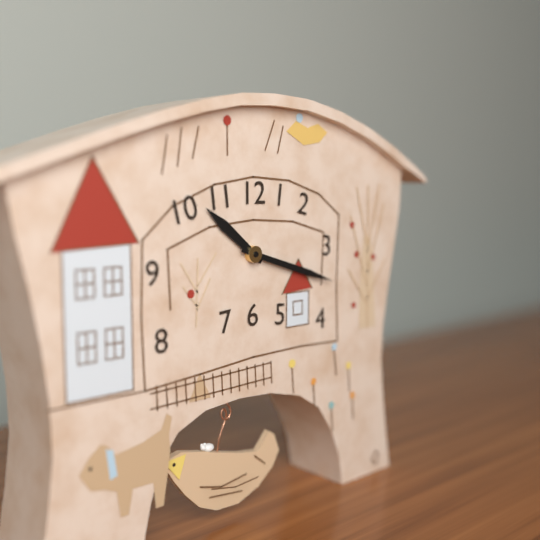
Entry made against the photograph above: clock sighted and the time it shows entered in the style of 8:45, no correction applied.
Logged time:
10:18
